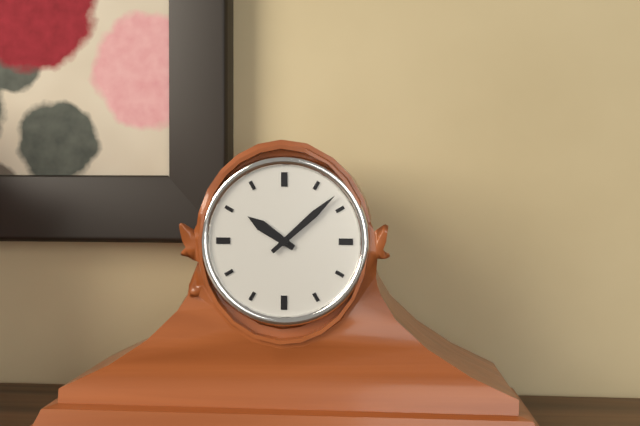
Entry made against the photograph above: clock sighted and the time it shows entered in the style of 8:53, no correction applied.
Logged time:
10:08
